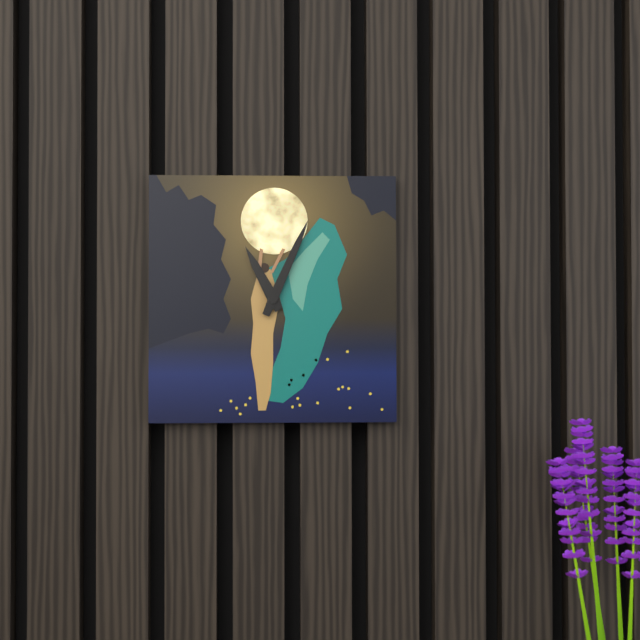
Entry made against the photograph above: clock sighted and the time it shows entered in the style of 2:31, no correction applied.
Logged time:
11:04
